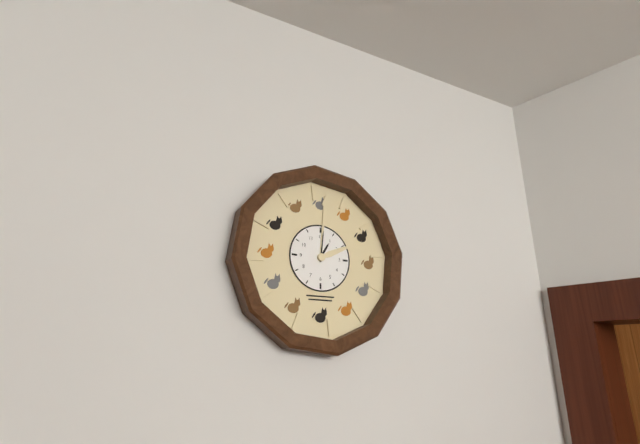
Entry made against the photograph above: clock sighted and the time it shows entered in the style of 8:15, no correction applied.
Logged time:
1:01
